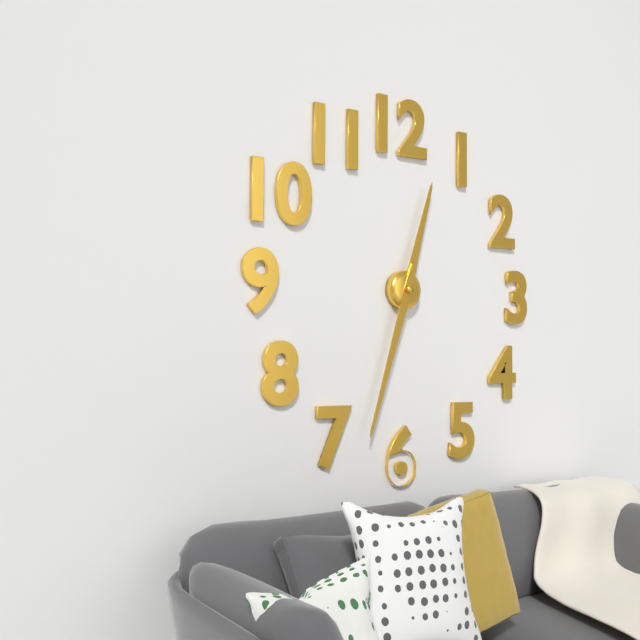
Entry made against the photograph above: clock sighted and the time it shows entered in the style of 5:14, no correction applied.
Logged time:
12:33
